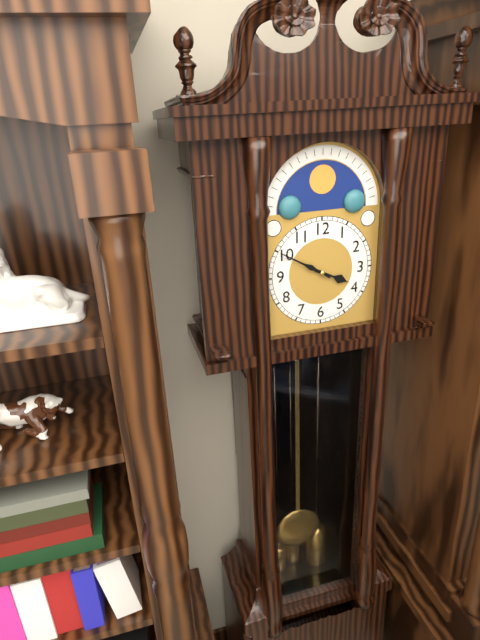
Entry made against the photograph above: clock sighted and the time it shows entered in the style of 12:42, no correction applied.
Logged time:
3:50
